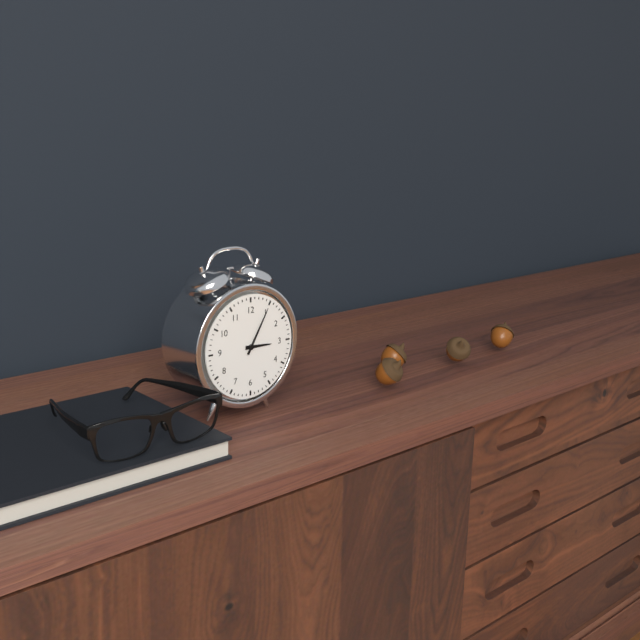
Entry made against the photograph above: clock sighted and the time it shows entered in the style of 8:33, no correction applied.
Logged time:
3:05
